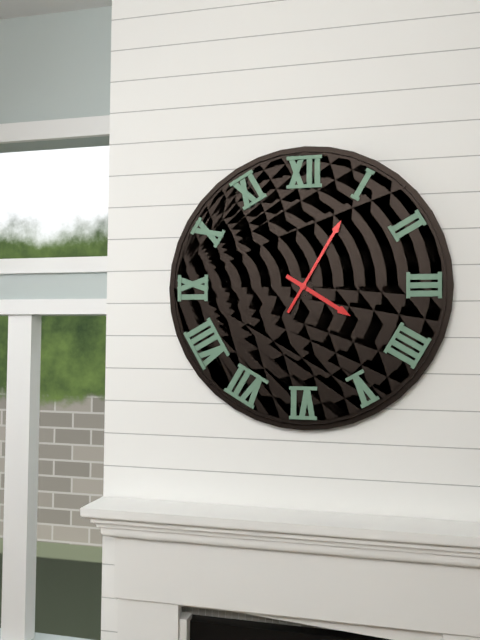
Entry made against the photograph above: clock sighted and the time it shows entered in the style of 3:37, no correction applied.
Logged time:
4:05
